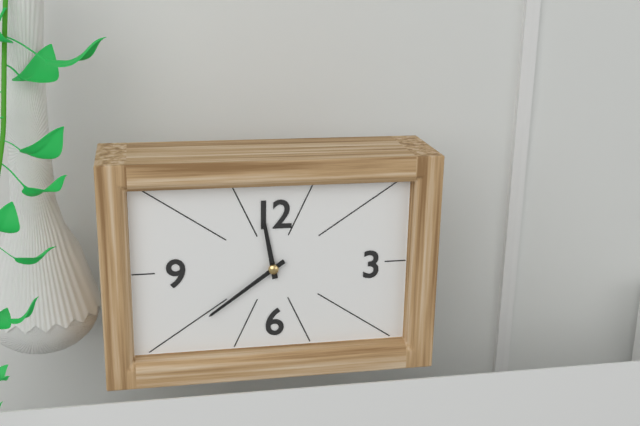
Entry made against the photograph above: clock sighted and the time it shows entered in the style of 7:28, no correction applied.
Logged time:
11:39
